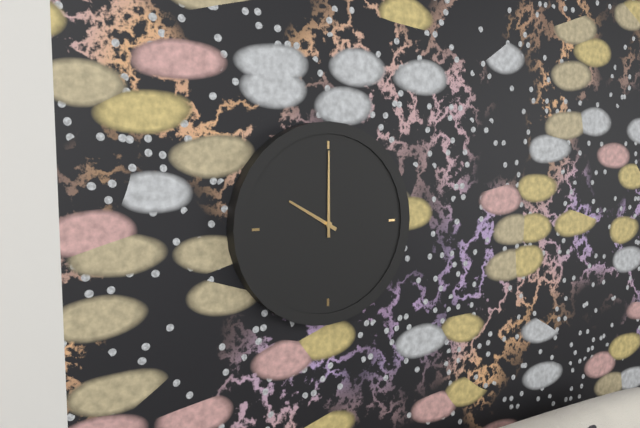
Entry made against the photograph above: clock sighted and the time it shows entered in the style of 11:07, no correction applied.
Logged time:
10:00
